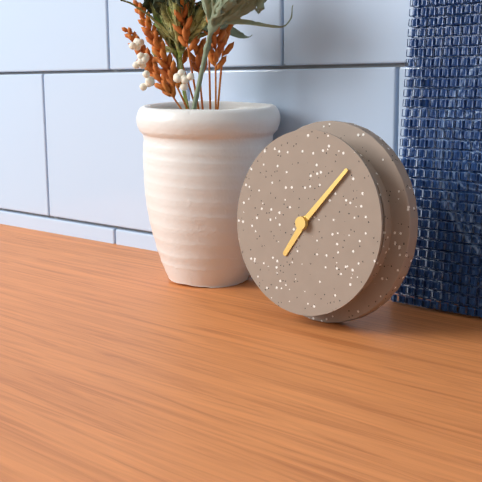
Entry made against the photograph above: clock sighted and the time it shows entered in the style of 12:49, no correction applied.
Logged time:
7:07
